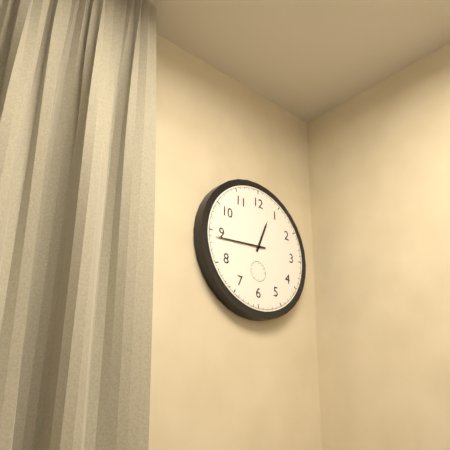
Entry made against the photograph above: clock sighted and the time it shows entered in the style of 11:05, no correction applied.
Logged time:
12:44
